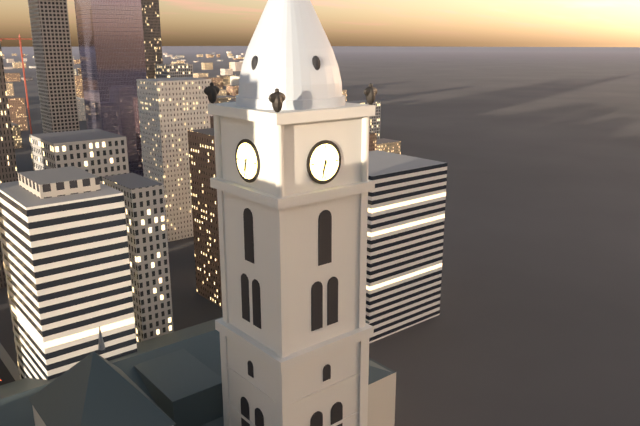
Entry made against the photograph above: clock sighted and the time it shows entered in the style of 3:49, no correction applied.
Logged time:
6:32
